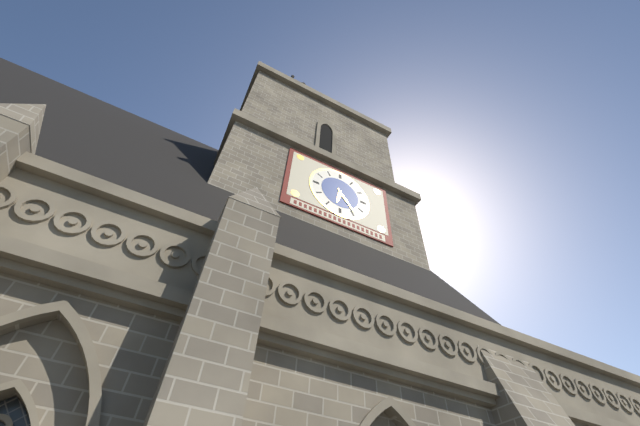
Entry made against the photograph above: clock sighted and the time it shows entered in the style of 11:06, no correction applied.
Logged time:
6:24
